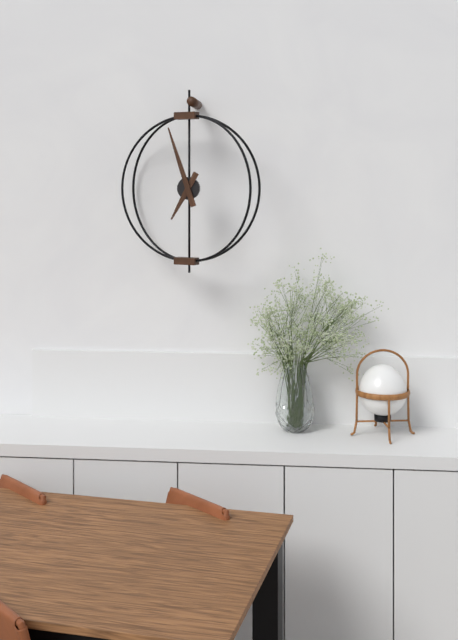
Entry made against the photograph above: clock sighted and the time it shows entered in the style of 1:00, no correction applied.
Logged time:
6:57
